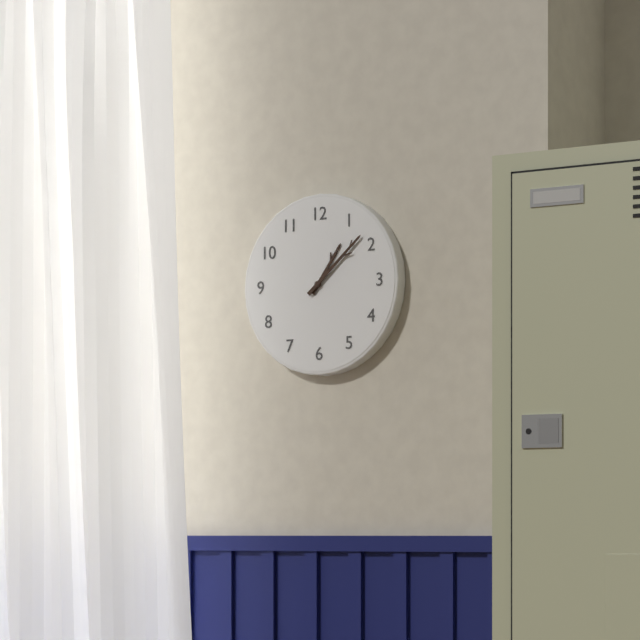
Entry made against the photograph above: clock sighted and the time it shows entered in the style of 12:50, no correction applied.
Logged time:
1:08
